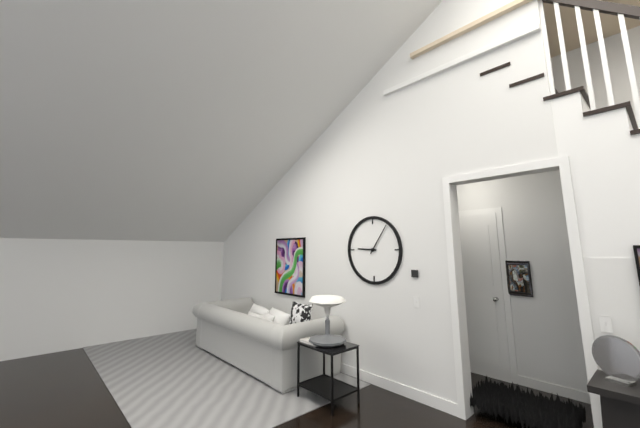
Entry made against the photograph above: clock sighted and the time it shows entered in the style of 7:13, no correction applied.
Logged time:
9:06
